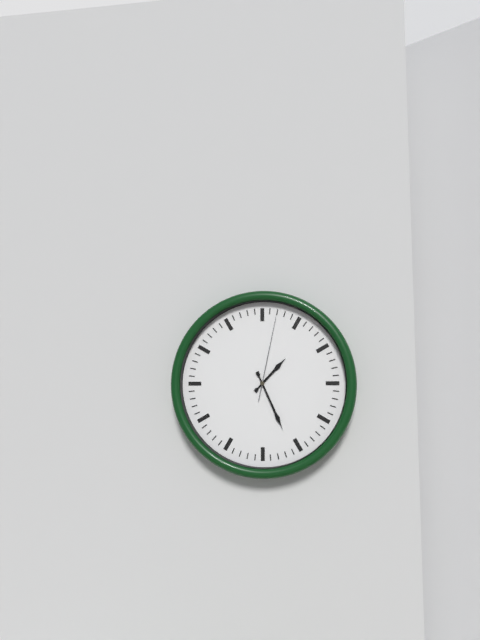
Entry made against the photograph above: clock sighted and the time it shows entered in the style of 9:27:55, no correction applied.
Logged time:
1:26:02
